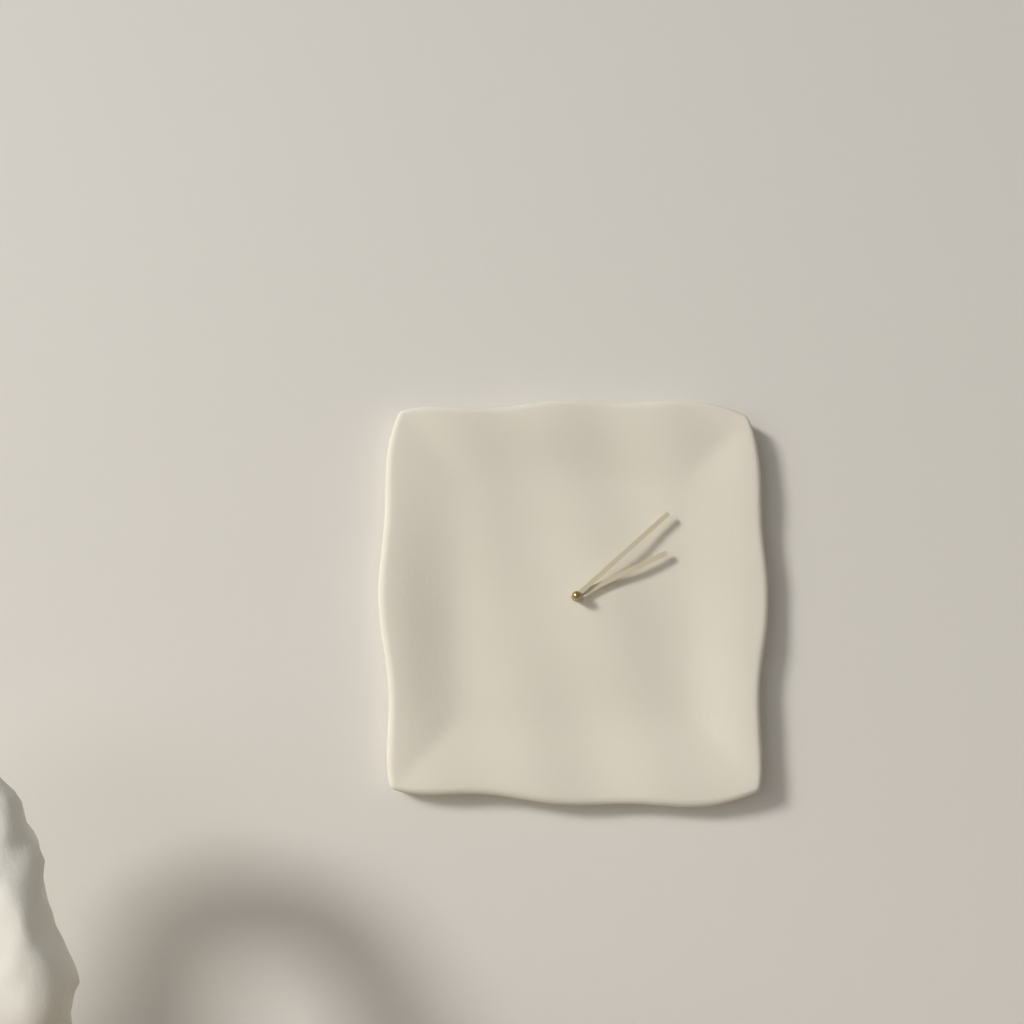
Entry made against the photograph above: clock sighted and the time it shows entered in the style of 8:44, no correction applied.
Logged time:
2:08
